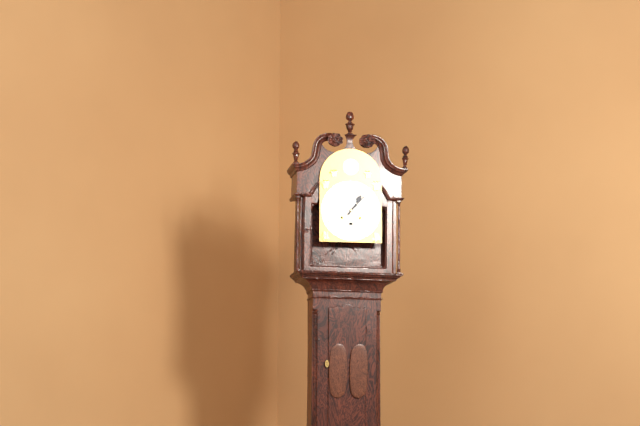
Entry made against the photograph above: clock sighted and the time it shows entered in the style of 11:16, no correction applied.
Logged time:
1:07
